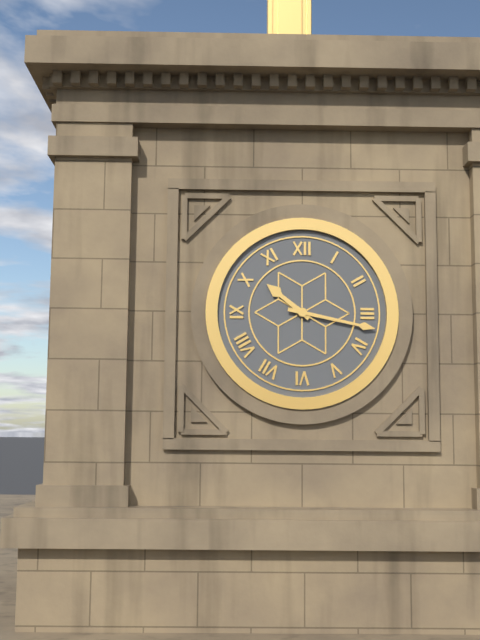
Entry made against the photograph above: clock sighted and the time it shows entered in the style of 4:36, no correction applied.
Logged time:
10:17
